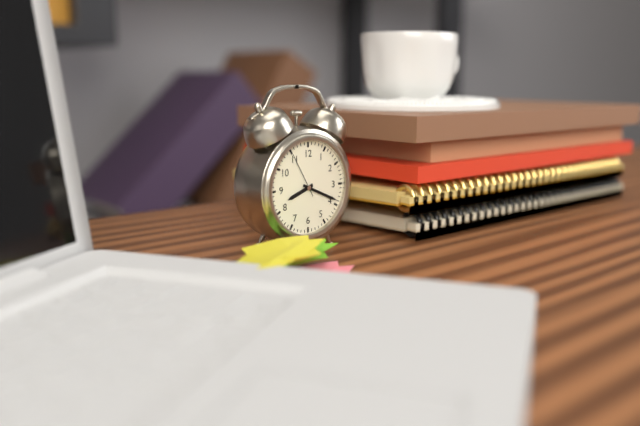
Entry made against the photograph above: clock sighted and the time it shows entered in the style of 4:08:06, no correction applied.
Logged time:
8:19:55
